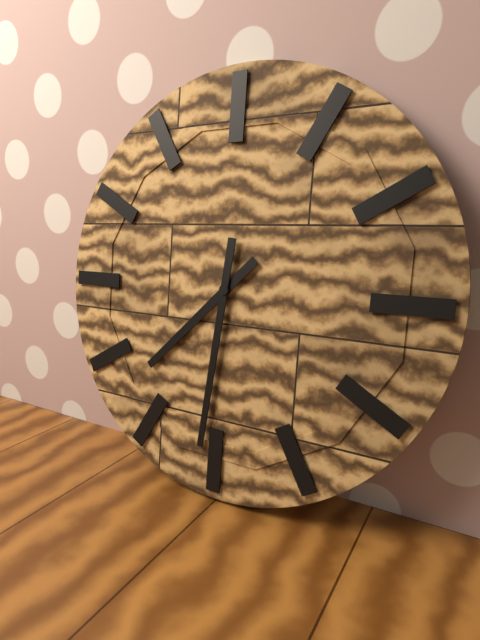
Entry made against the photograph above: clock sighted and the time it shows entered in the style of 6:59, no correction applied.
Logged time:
7:31
